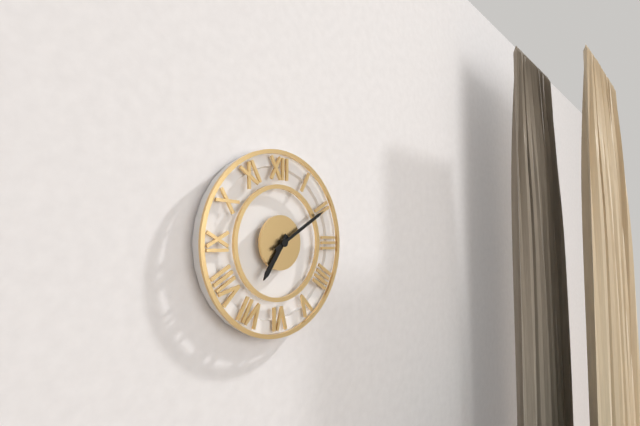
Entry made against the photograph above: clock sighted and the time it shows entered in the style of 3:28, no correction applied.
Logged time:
7:10
